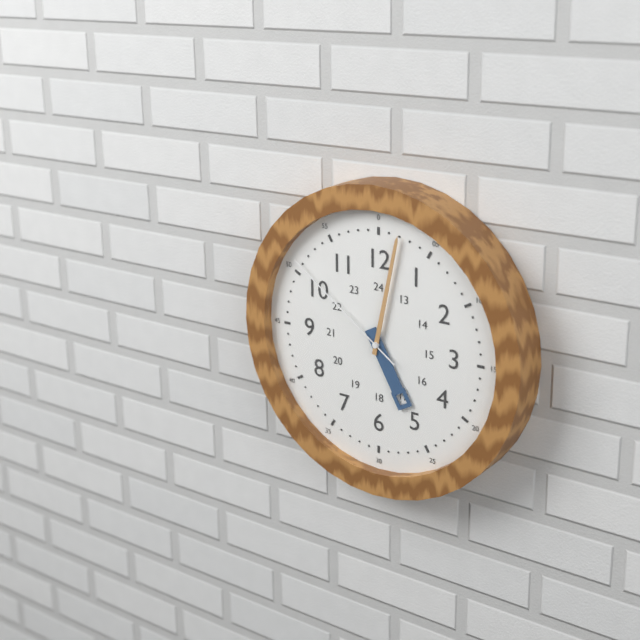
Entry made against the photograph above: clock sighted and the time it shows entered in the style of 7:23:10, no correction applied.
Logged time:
5:02:51
